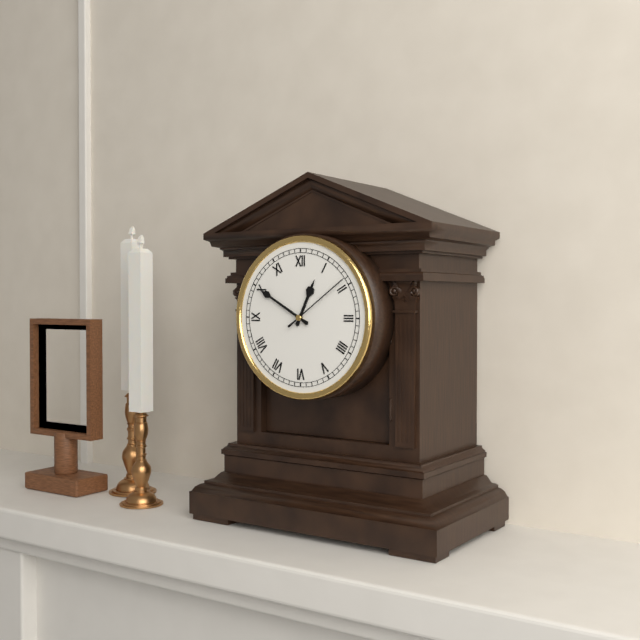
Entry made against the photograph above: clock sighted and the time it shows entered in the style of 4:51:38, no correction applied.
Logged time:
12:50:09
